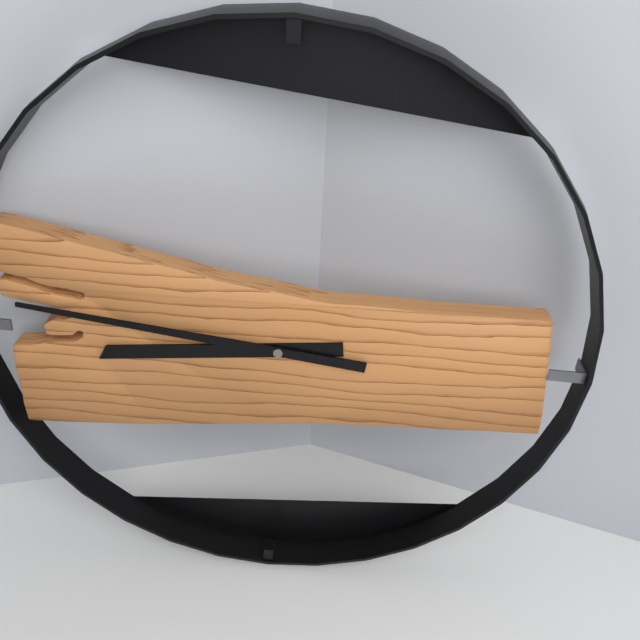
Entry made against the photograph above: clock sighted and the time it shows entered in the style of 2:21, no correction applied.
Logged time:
8:46
